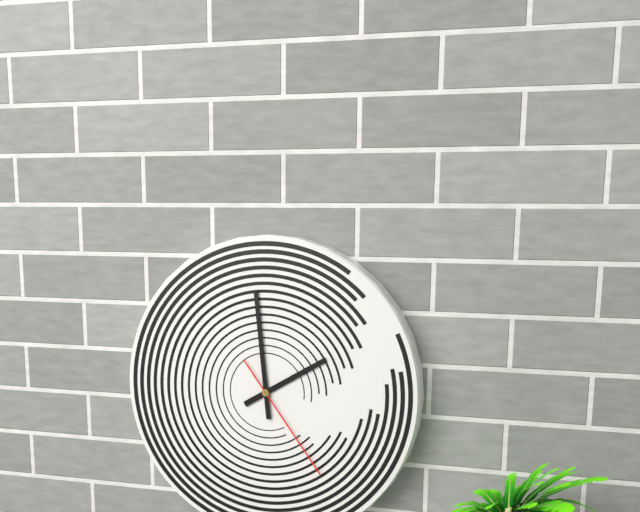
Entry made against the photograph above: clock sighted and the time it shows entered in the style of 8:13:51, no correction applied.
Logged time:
1:59:24
